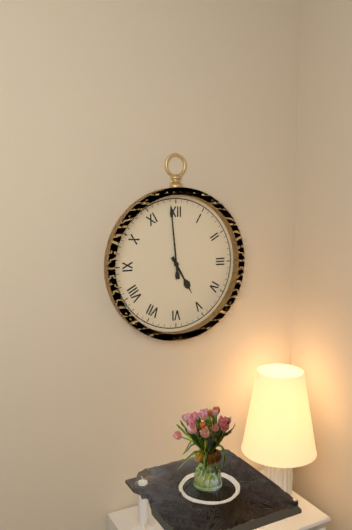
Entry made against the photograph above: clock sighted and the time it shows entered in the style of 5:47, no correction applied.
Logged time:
4:59
